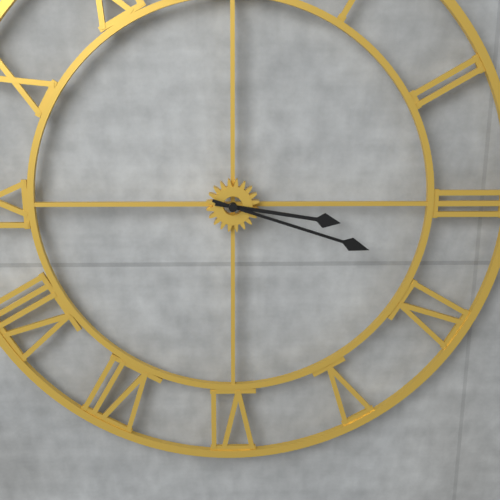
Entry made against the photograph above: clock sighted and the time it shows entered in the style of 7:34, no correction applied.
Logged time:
3:18
